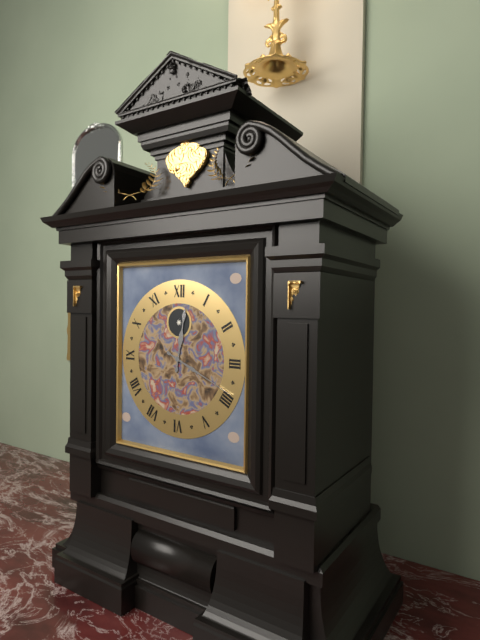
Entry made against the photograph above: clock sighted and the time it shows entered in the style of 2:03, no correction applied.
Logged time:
12:19
